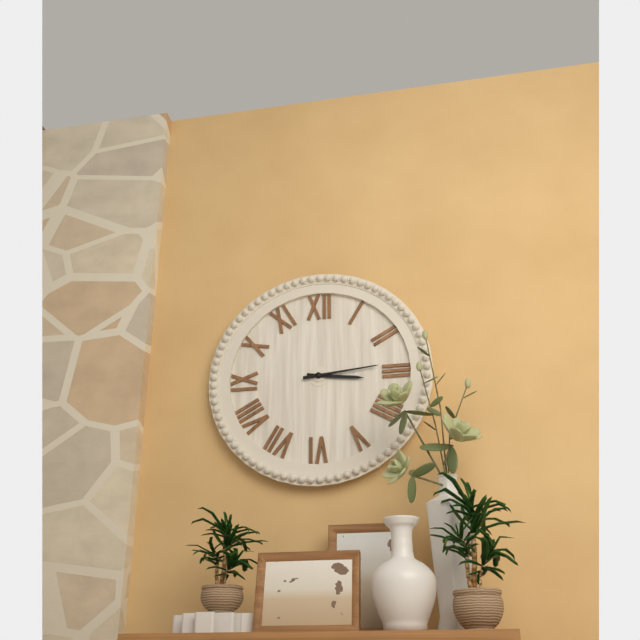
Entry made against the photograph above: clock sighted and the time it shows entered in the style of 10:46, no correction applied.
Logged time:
3:14
